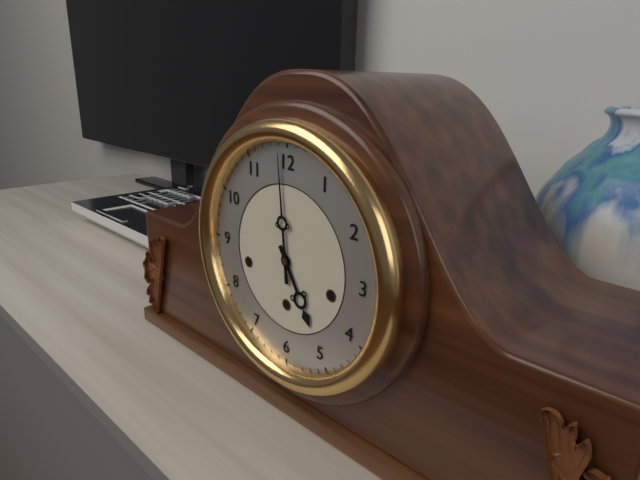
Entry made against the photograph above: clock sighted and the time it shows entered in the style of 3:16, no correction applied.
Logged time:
4:59
